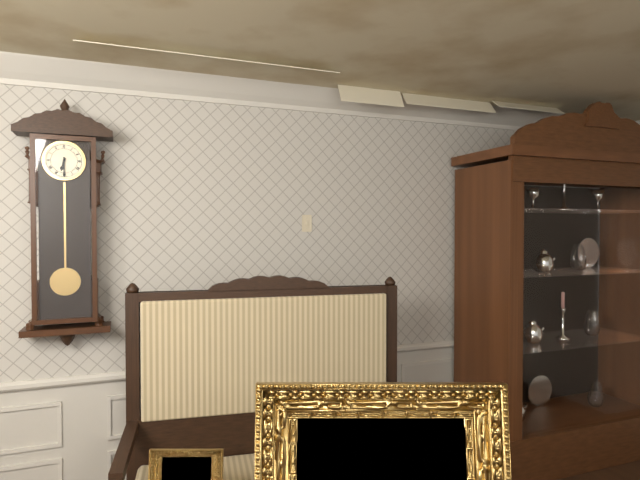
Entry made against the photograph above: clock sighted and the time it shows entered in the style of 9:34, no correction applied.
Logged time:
6:30
